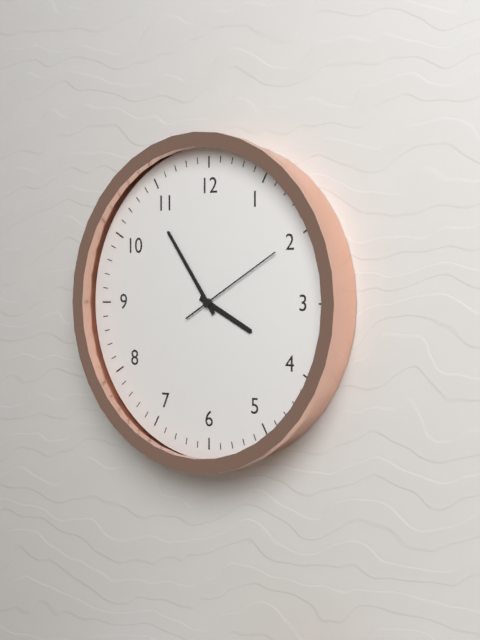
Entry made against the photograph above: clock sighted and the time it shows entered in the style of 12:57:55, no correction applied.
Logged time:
3:54:10
